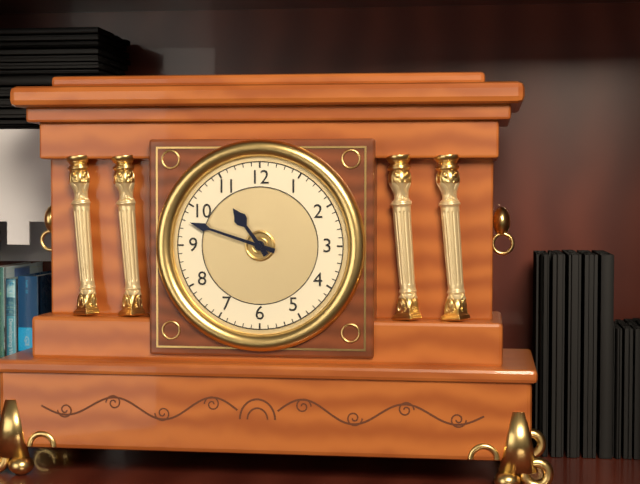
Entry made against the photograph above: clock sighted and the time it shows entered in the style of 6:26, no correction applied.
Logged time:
10:48
